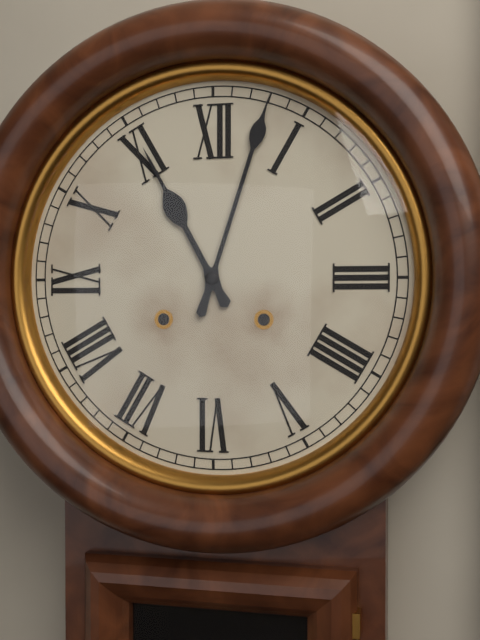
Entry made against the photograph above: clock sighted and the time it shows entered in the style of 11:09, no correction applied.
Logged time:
11:03
